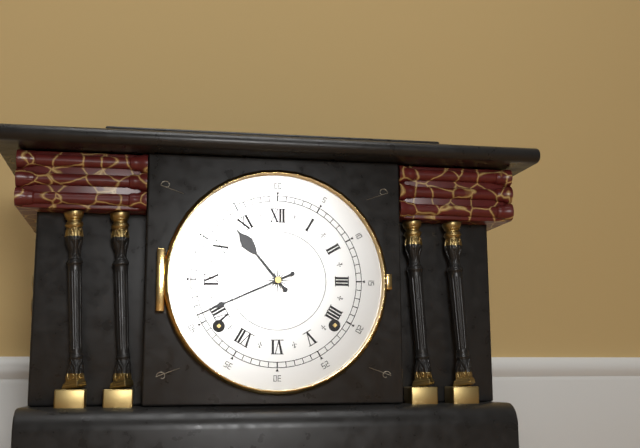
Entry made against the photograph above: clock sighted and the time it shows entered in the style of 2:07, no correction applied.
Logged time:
10:41
